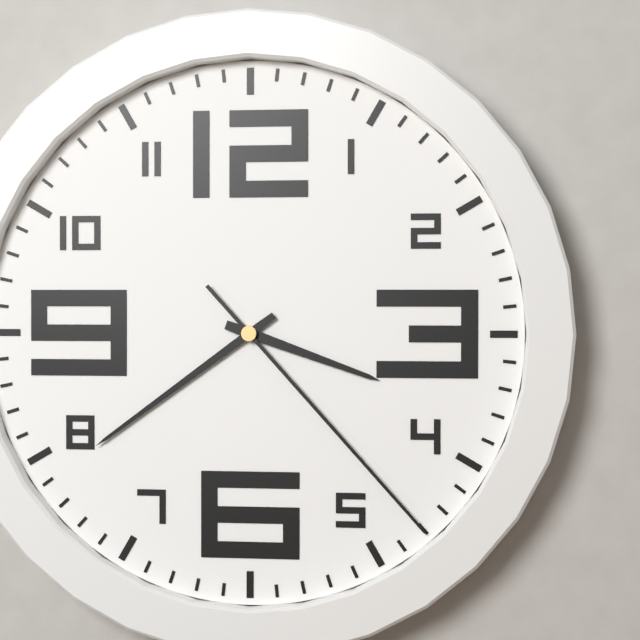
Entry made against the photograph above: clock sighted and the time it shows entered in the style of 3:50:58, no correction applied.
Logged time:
3:39:23
